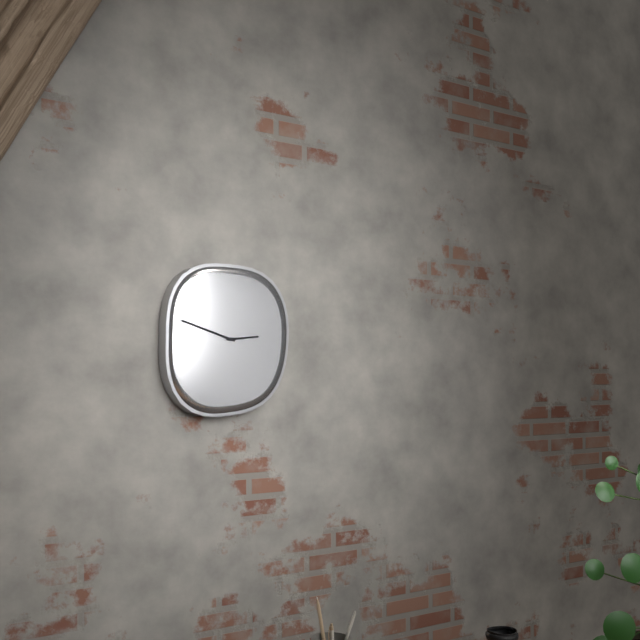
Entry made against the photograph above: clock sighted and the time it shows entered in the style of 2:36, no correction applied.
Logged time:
2:48
